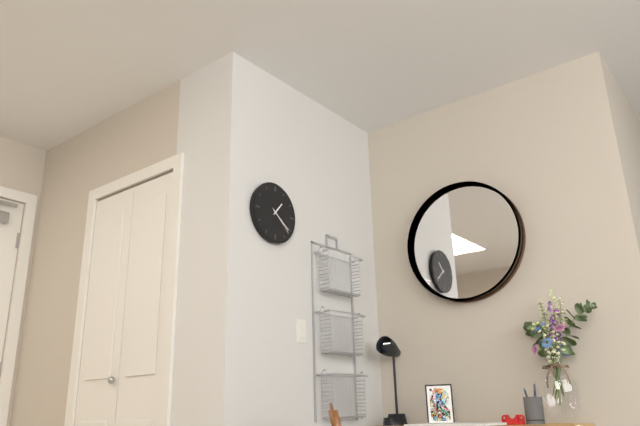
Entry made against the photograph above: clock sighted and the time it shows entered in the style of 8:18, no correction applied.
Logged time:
1:21
